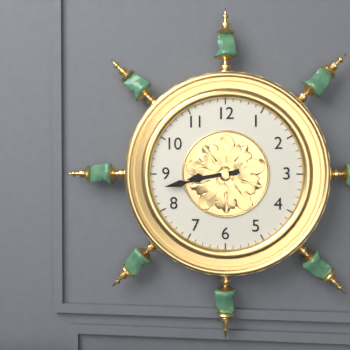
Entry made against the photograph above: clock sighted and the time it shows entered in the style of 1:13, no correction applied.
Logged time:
8:43
